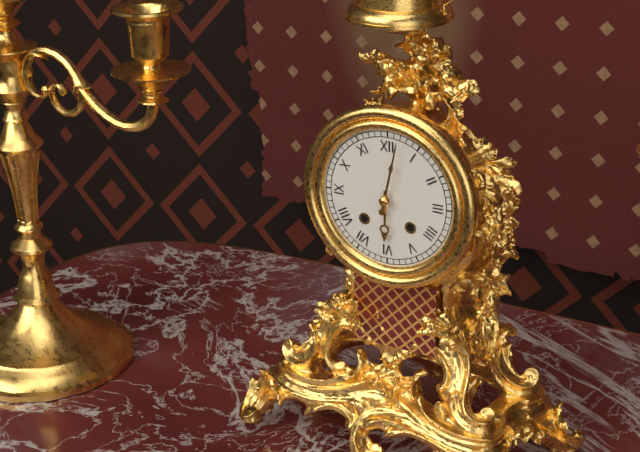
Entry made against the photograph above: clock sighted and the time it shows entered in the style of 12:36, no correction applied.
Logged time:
6:02
